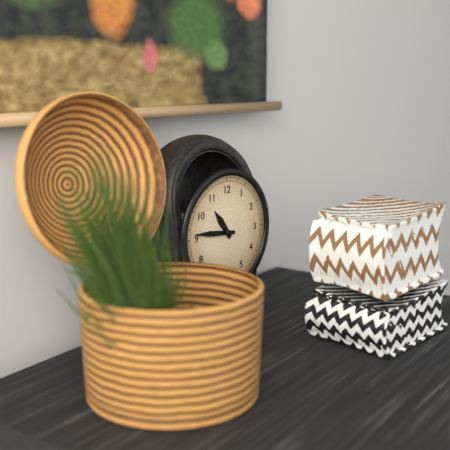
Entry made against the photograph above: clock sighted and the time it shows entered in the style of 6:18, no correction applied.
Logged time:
10:46
